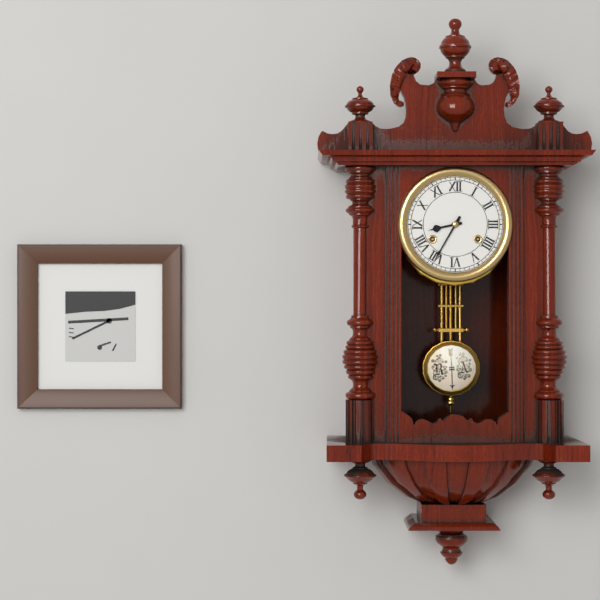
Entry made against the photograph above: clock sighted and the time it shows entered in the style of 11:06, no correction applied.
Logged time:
8:35
